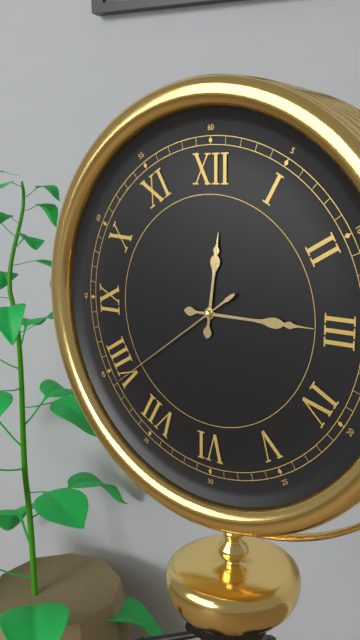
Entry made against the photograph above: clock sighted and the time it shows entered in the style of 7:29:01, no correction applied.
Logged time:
12:15:39
